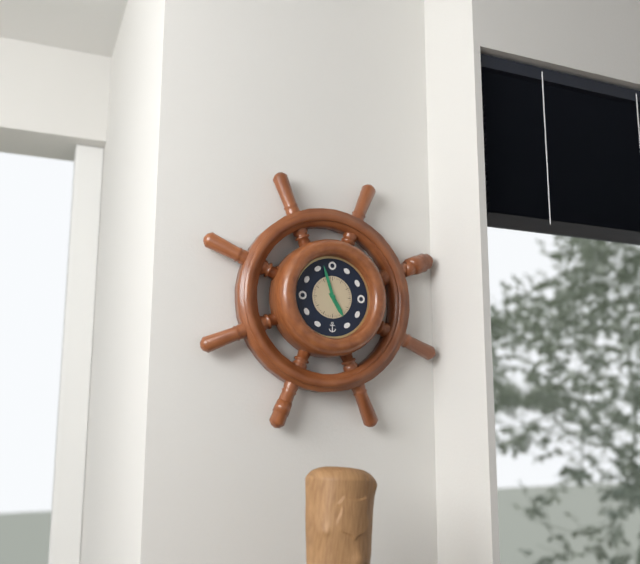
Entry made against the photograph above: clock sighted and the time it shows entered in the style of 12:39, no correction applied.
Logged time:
4:57
